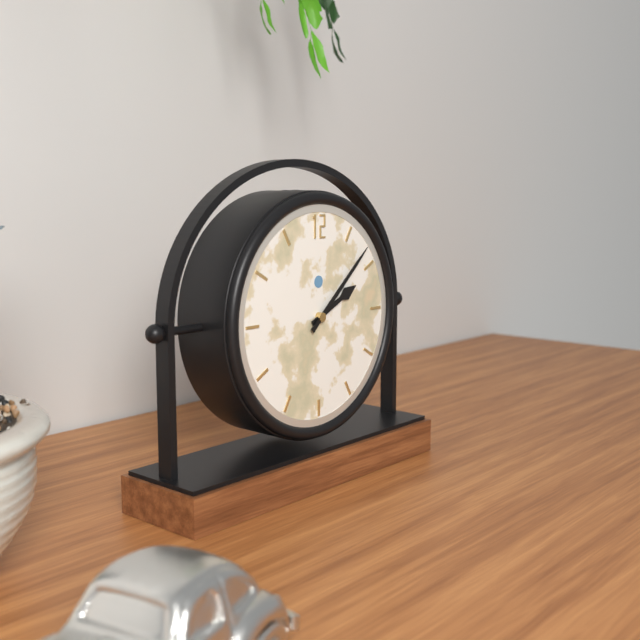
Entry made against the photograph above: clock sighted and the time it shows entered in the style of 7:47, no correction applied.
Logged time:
2:08
